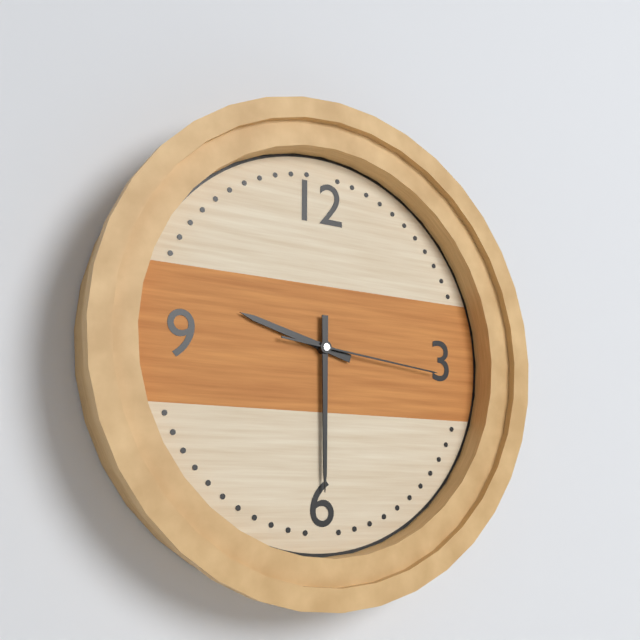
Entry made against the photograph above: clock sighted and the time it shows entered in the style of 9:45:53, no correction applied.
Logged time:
9:30:16
